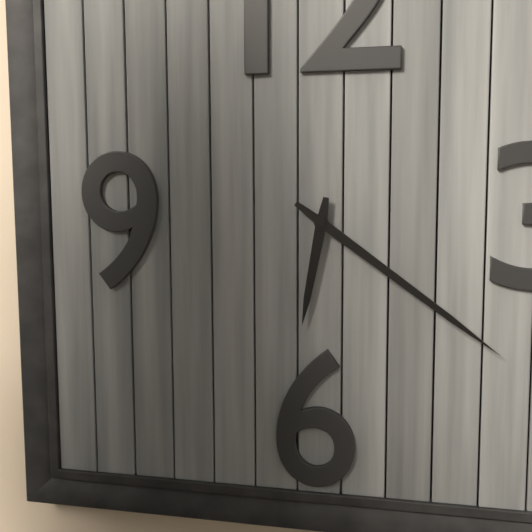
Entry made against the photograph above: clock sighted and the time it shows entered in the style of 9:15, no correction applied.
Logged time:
6:21
